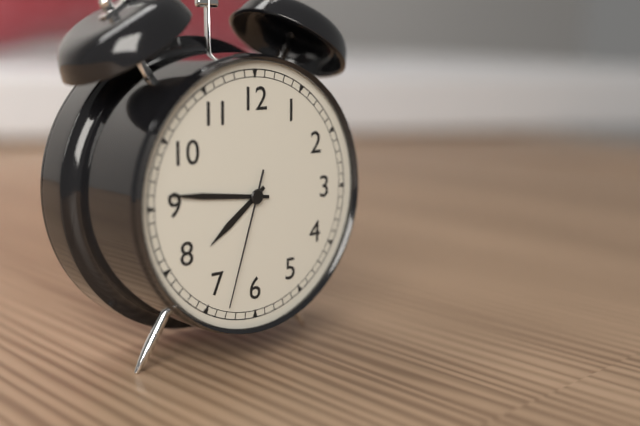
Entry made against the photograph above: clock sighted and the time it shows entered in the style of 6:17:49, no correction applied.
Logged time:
7:46:33
